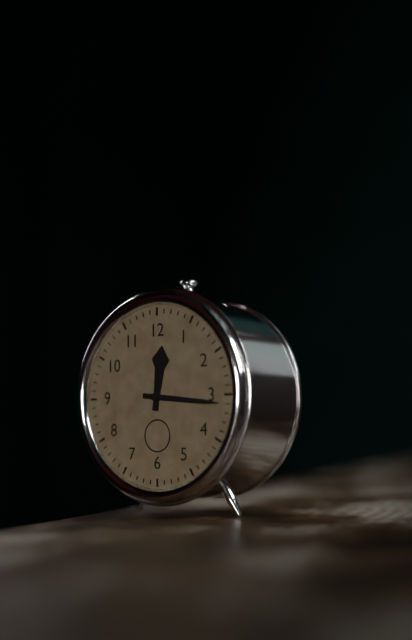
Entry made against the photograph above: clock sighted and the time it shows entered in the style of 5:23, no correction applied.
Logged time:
12:16
